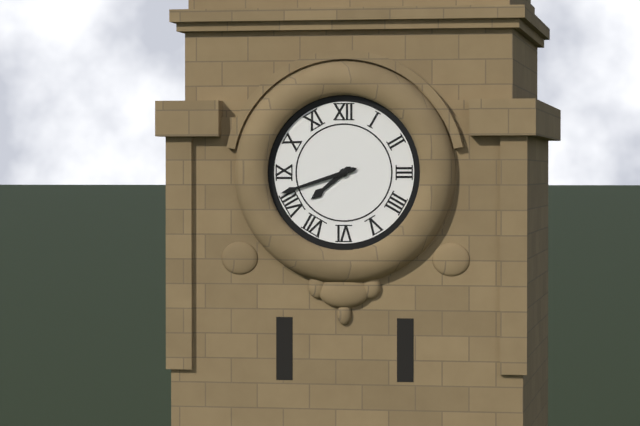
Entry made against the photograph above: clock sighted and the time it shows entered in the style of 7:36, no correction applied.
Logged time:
7:42
